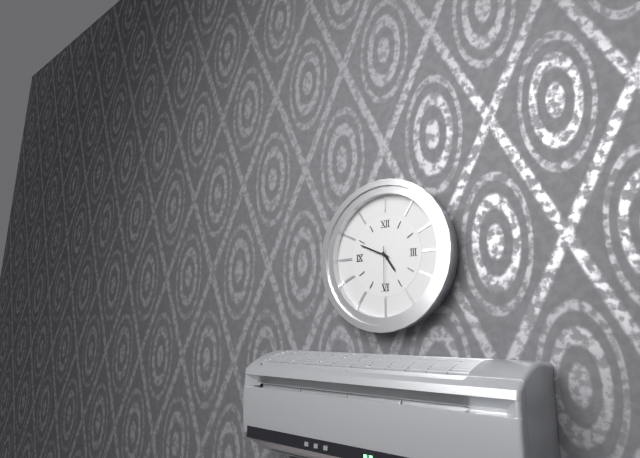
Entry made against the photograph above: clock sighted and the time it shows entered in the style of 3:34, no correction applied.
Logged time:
4:49
